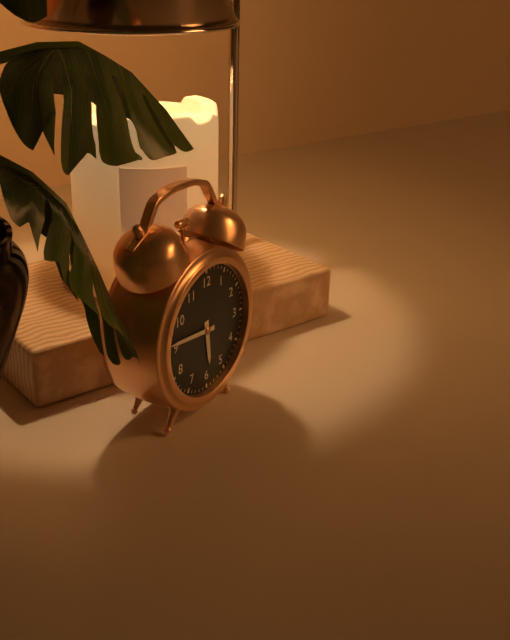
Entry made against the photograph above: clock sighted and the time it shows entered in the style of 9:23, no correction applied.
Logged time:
5:46
